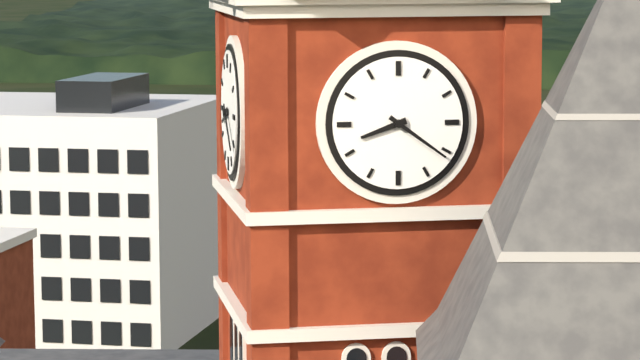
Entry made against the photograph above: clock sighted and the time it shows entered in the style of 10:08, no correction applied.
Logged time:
8:21
